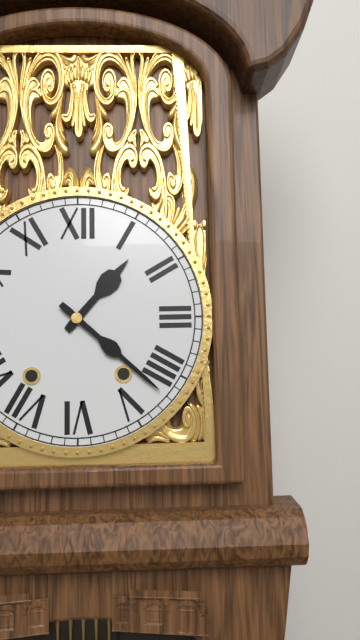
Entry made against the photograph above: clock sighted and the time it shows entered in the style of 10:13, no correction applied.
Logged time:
1:22
